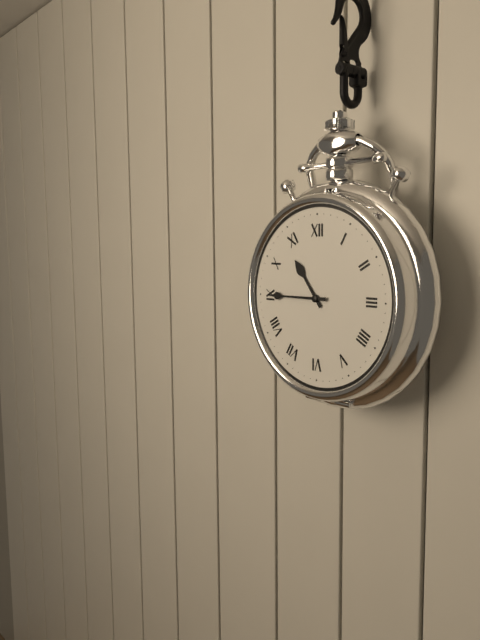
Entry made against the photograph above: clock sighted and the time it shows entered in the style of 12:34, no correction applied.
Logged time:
10:45
